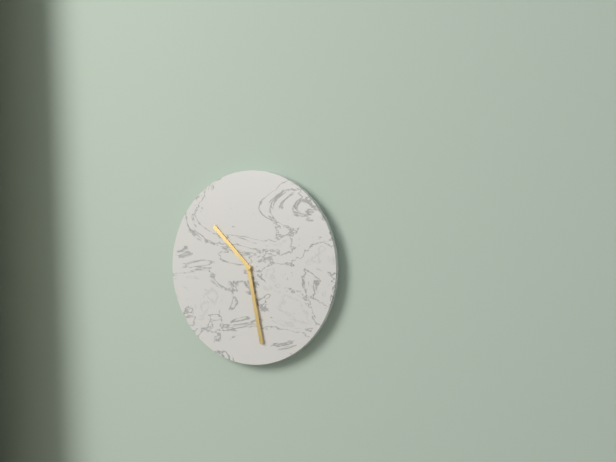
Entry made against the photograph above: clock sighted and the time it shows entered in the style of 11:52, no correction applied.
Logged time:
10:28
